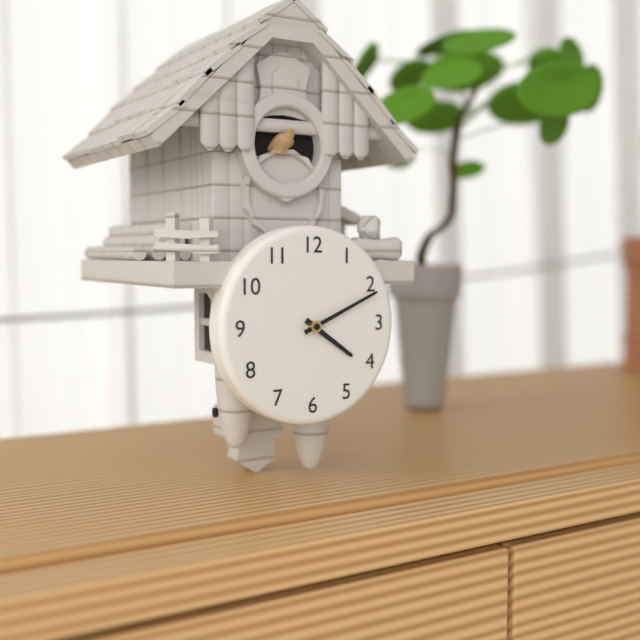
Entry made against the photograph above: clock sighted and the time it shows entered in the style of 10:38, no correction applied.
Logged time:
4:11
